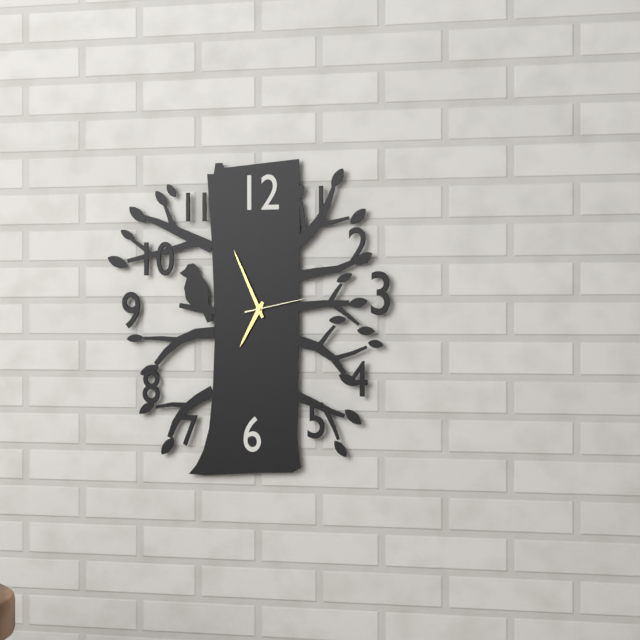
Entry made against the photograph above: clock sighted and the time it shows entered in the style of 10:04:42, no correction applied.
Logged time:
6:56:13
